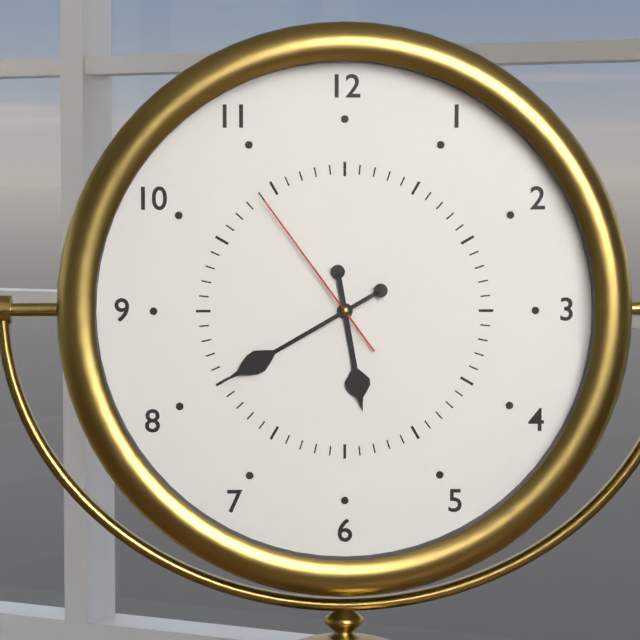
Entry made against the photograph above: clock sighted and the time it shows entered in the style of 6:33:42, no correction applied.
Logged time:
5:40:54
